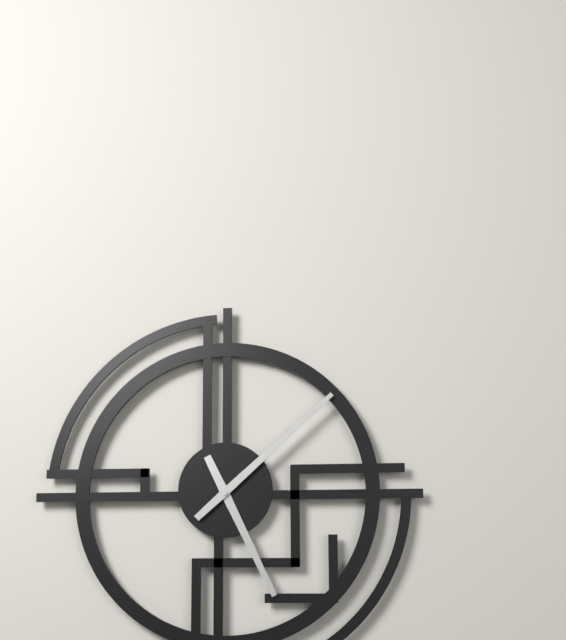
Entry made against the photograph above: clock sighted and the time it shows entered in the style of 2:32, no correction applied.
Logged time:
5:08
